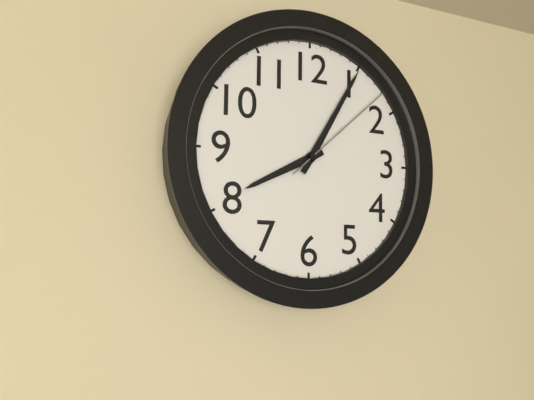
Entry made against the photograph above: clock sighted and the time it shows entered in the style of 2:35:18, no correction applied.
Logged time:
8:05:08
